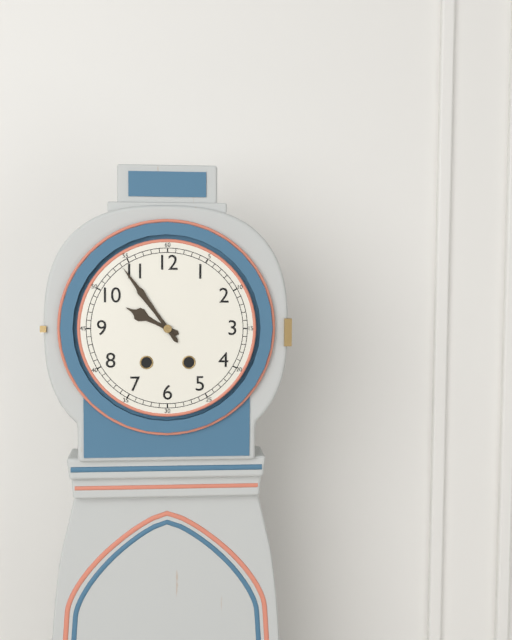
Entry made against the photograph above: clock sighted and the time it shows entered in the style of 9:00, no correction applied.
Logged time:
9:54
